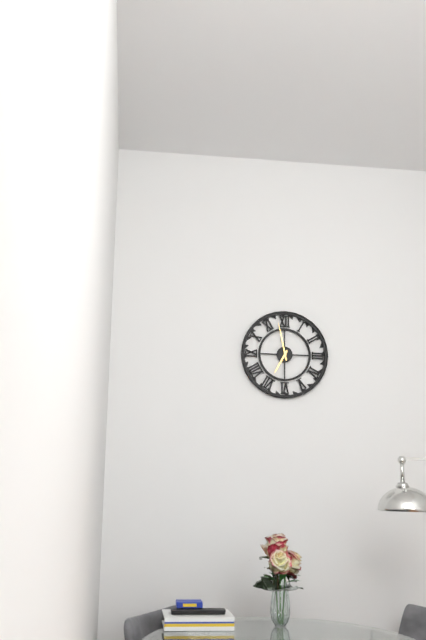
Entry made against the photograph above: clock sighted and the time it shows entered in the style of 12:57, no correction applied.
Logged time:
6:58
